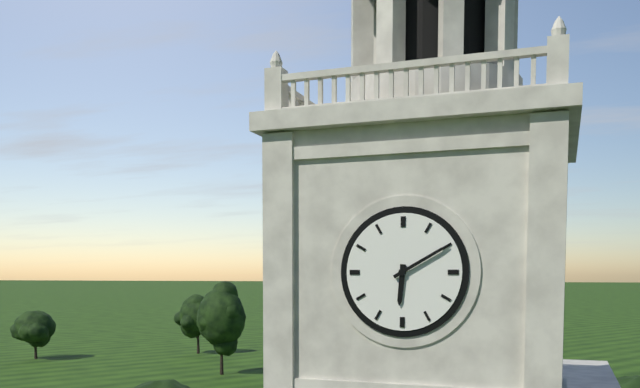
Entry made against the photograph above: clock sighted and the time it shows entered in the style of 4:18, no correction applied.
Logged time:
6:10
